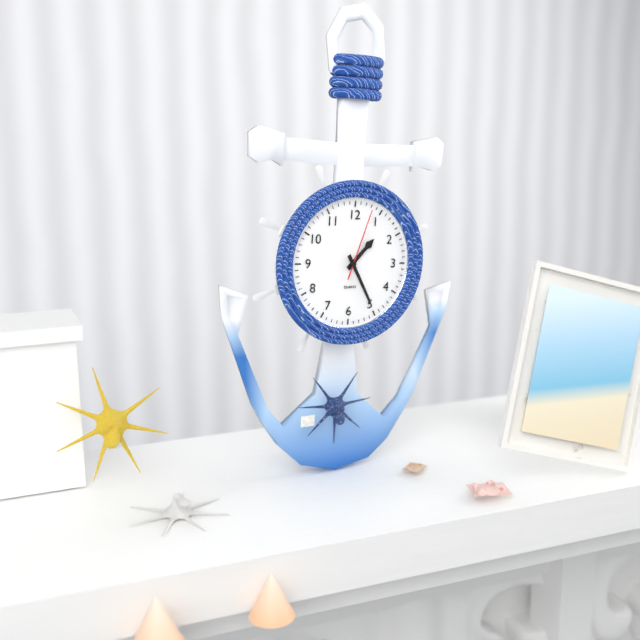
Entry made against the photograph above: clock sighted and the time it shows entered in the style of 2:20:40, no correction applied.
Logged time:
1:25:03
